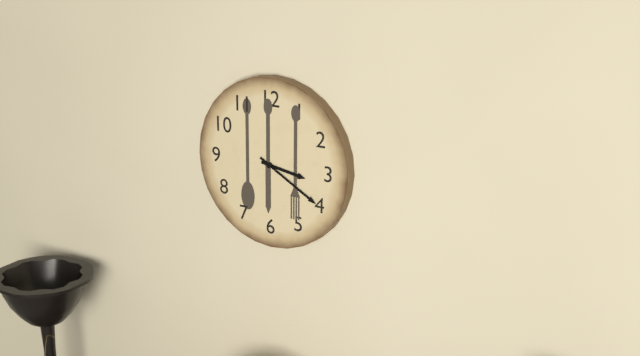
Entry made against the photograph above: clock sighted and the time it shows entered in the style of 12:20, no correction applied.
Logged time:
3:20
